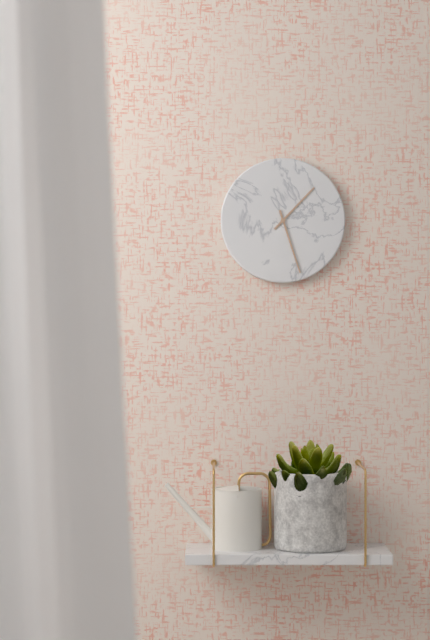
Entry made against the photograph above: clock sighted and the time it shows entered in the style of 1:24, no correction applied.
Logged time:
1:27
